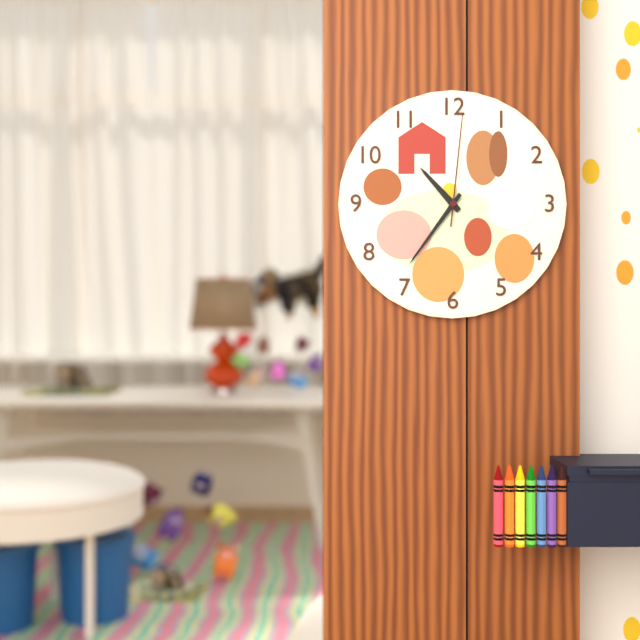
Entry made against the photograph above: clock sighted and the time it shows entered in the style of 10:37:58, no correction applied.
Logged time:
10:36:01
